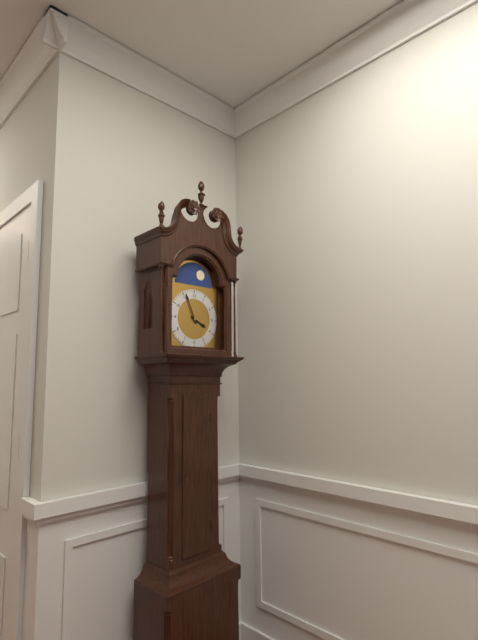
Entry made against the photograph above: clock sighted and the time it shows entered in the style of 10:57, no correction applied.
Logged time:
3:56
